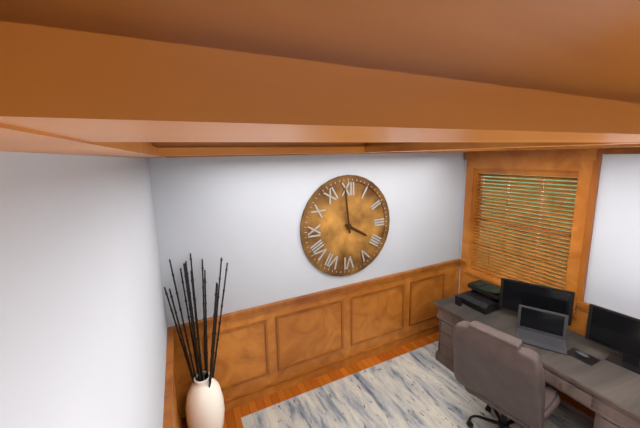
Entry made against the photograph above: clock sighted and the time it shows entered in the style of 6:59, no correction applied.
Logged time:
3:59
